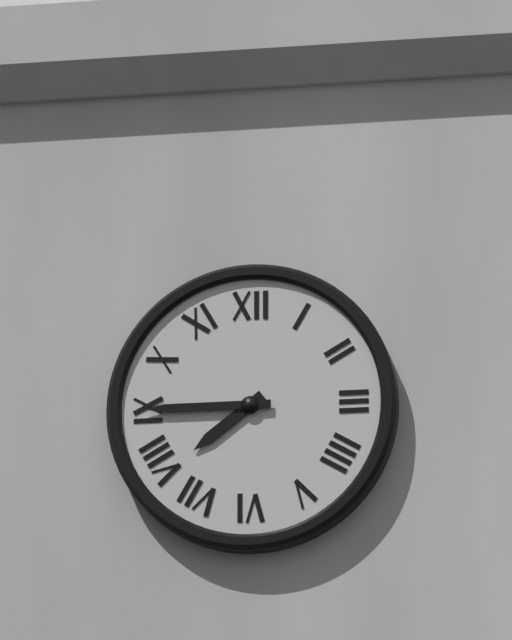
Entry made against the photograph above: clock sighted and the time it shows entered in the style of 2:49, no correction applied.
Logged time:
7:45
